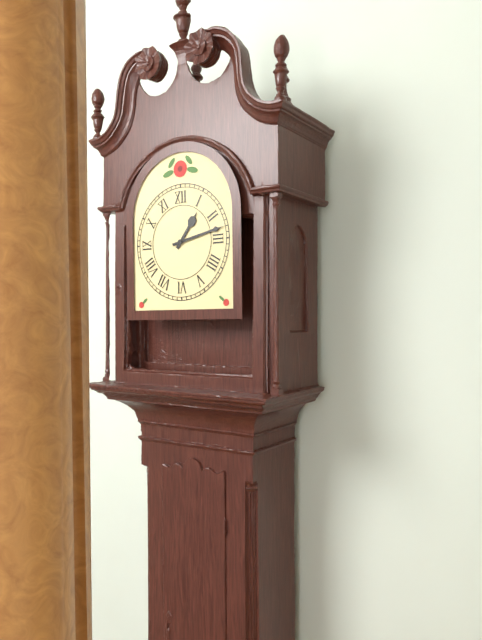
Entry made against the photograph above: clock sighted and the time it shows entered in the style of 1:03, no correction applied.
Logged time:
1:13
